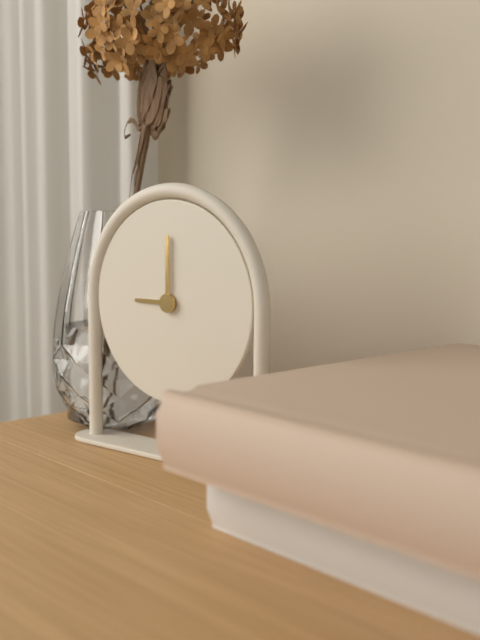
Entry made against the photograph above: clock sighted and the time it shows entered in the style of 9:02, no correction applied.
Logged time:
9:00
